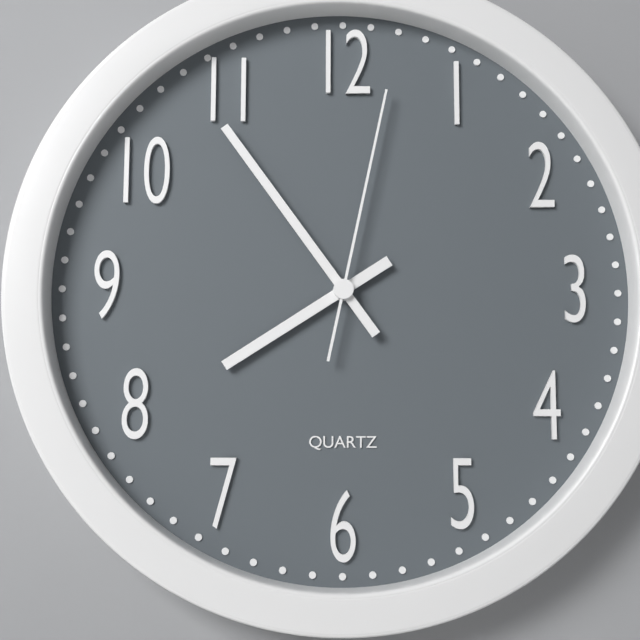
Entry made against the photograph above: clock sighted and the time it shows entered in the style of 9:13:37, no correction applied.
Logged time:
7:54:02
